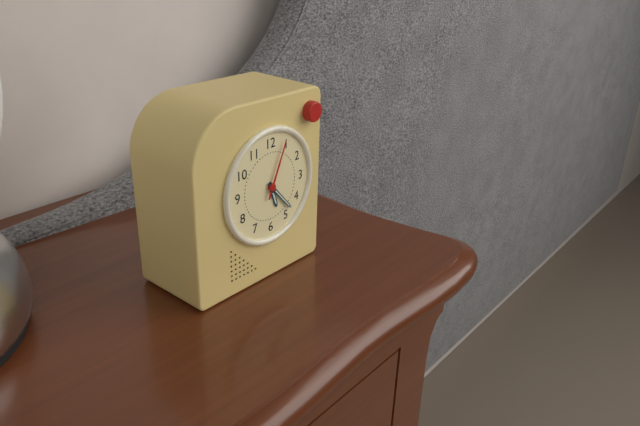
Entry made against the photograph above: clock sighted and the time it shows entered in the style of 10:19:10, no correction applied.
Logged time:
5:23:04
